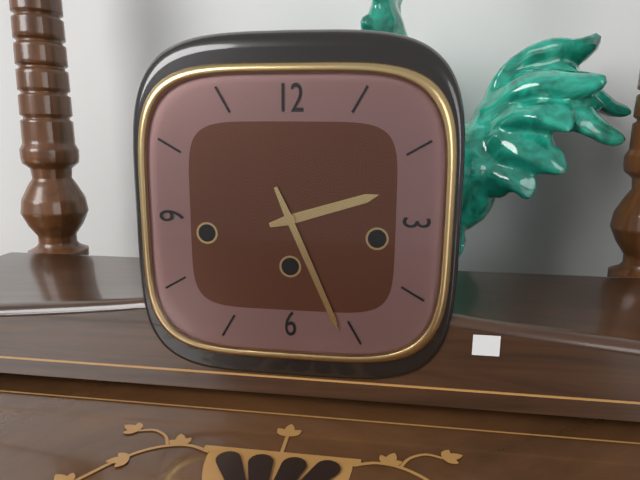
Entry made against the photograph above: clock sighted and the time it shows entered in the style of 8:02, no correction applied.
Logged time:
2:26
